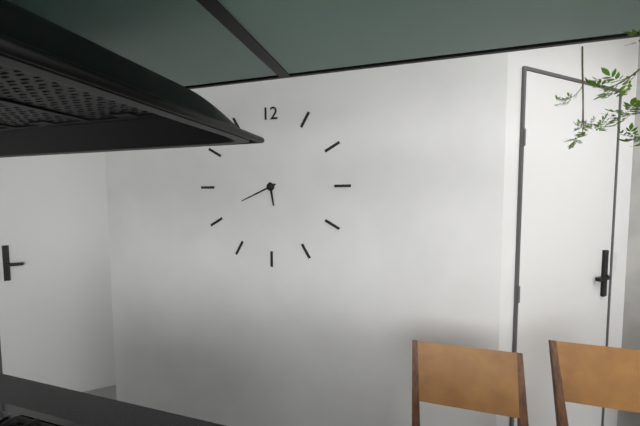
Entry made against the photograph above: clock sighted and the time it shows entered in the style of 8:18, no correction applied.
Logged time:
5:41
